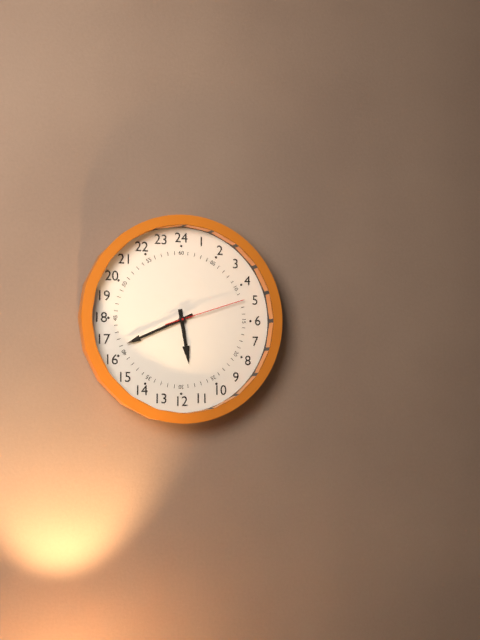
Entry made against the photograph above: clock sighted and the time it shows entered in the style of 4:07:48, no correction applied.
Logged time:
5:41:12
